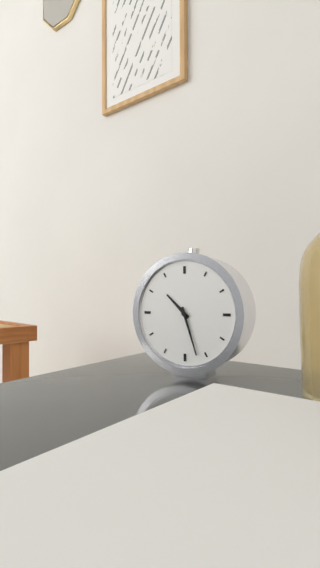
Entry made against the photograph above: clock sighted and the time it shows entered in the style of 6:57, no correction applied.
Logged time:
10:27
